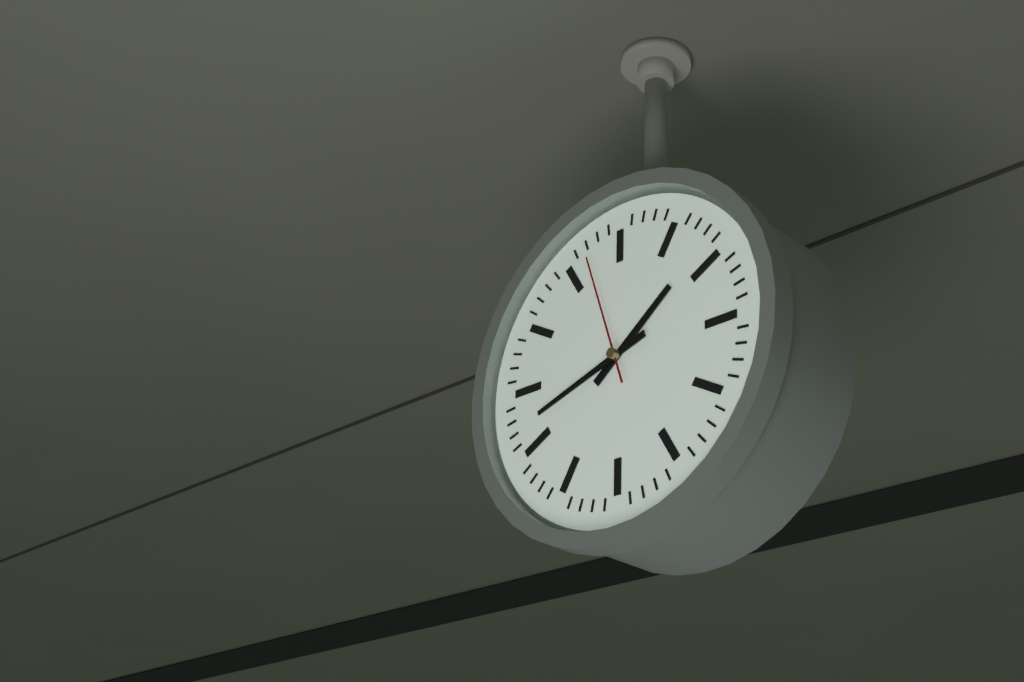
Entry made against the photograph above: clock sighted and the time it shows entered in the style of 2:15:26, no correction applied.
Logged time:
1:42:57
